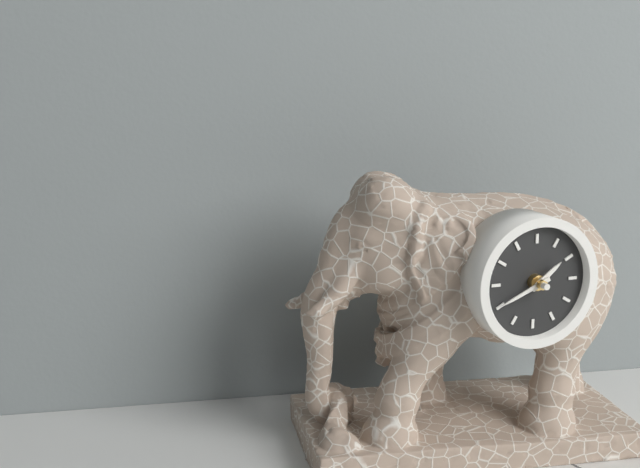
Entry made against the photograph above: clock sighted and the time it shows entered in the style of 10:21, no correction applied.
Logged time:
1:41
